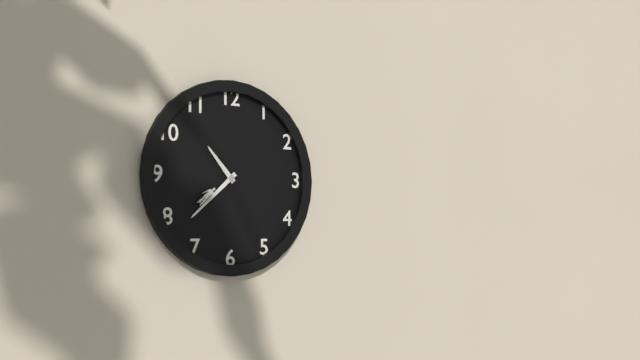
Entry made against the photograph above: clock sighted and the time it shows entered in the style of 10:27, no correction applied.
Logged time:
10:38
